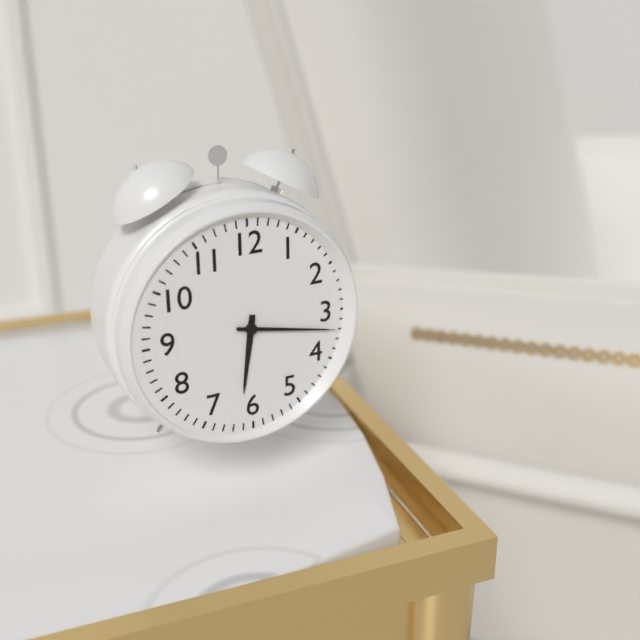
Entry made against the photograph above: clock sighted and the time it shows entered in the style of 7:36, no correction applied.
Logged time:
6:17
